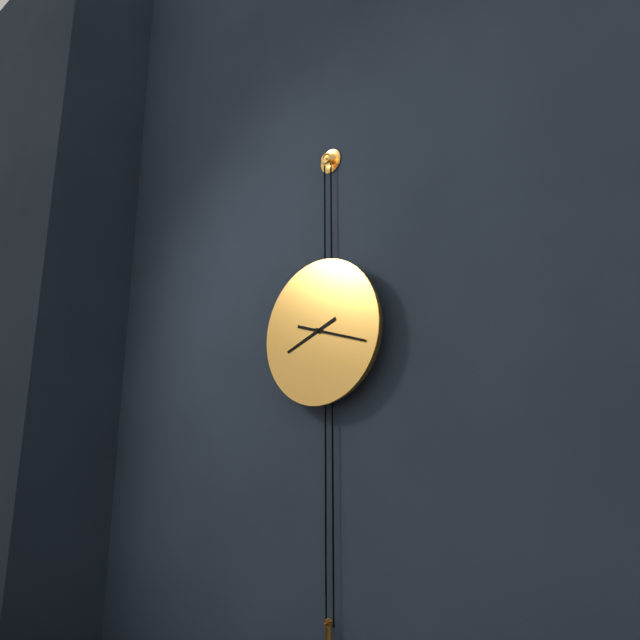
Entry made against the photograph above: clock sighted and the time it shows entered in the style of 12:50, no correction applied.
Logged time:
8:18
